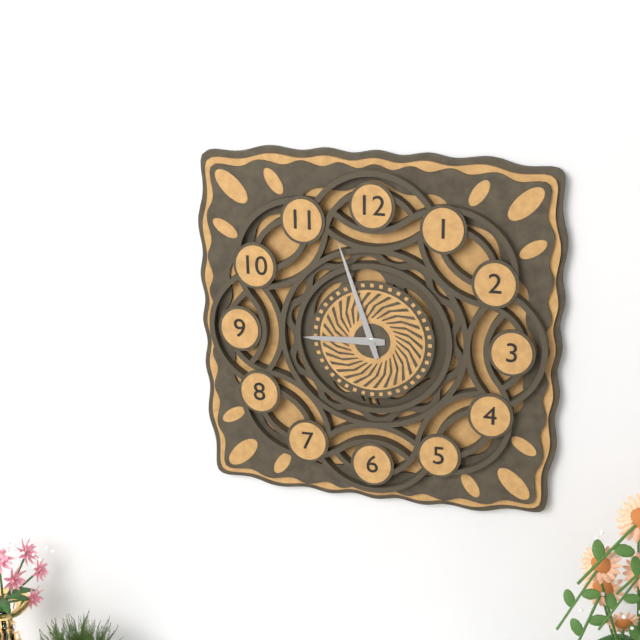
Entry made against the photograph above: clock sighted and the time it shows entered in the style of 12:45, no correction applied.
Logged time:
8:57
